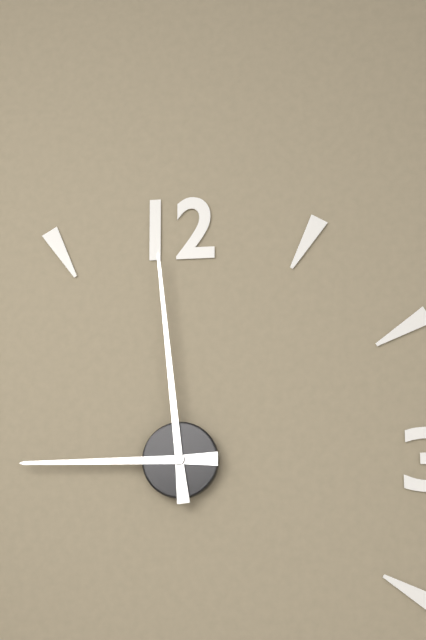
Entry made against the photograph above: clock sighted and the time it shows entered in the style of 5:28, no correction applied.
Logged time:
8:59
